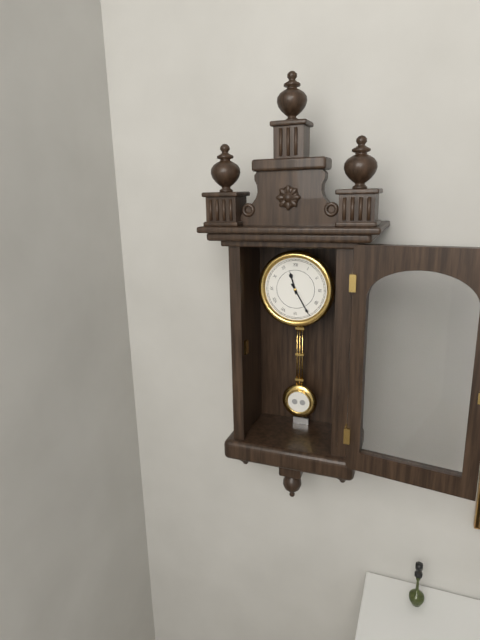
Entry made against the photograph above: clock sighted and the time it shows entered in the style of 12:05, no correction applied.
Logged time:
11:25
